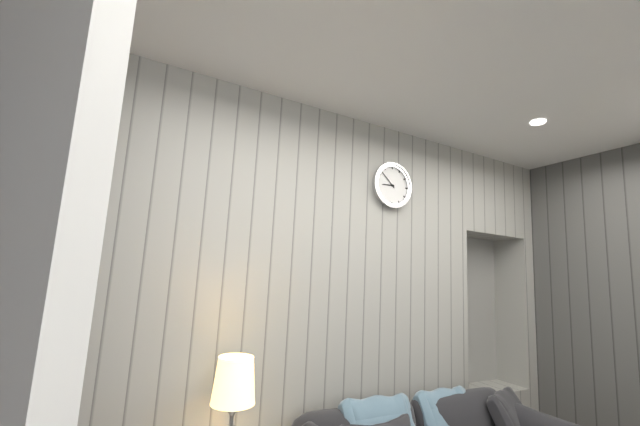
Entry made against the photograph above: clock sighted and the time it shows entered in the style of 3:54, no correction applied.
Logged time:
8:52
